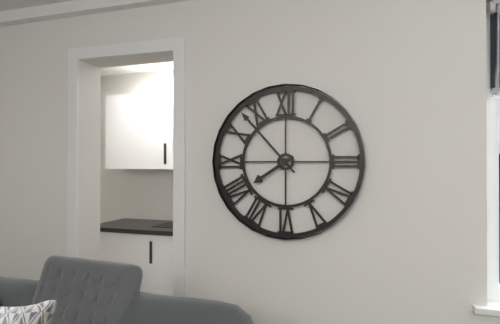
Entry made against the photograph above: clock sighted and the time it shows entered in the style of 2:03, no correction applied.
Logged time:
7:53
